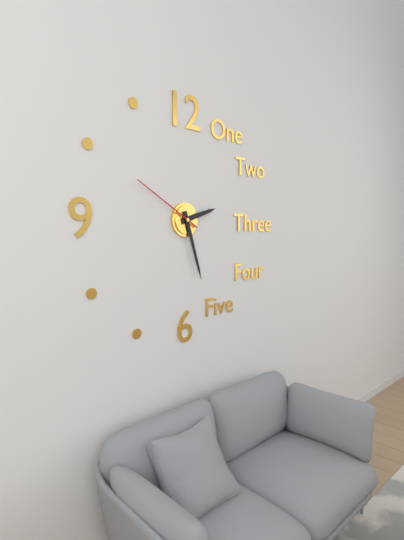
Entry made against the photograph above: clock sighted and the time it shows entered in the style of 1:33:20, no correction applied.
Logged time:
2:27:50
